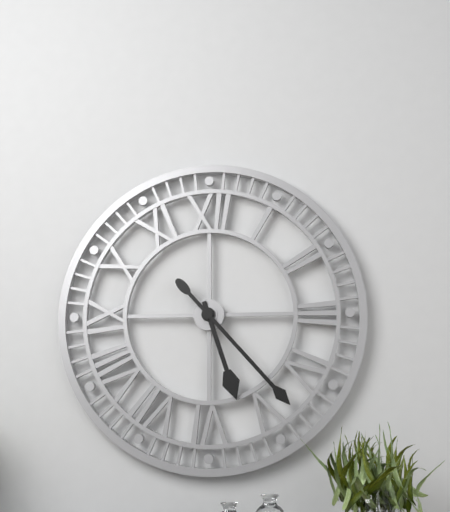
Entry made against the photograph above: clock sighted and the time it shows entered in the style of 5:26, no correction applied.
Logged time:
5:23
